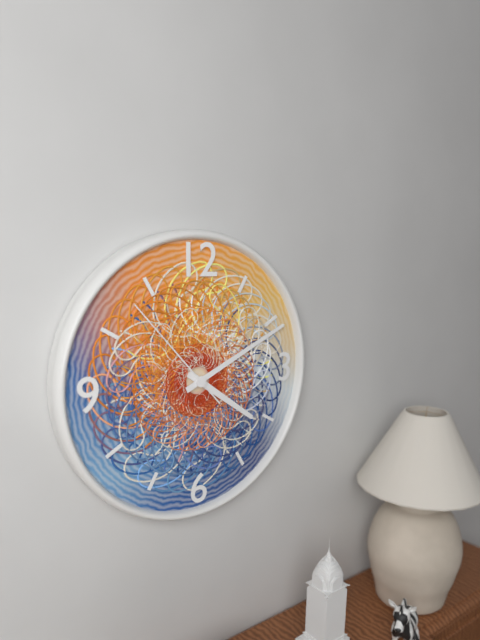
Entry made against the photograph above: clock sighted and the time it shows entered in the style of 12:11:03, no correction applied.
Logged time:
4:11:53
